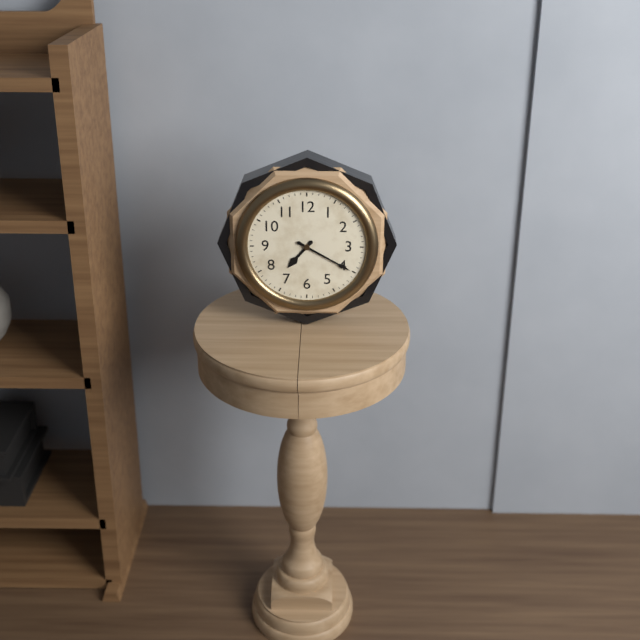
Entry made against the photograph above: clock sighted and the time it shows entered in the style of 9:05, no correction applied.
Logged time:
7:20
